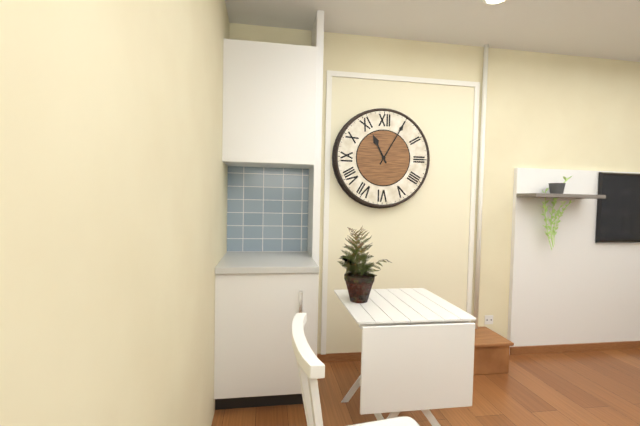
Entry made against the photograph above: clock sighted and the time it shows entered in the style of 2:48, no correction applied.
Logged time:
11:05
